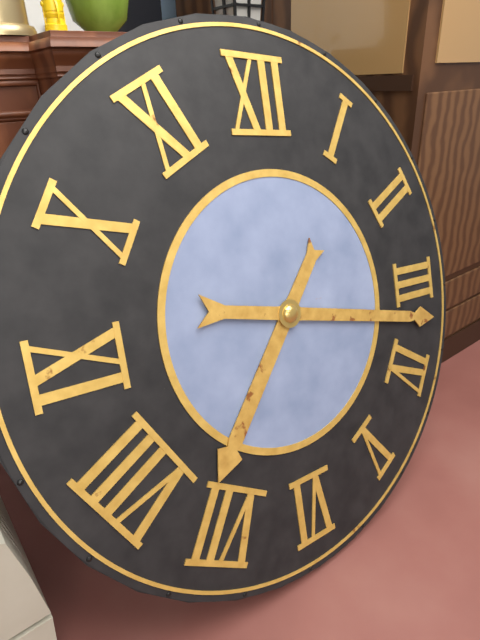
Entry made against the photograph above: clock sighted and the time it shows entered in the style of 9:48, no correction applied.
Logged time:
7:17
